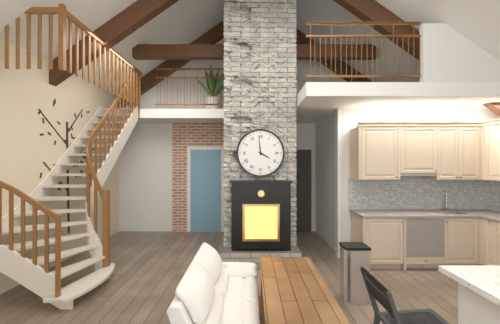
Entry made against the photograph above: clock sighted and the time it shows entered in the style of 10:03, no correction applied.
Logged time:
3:59
